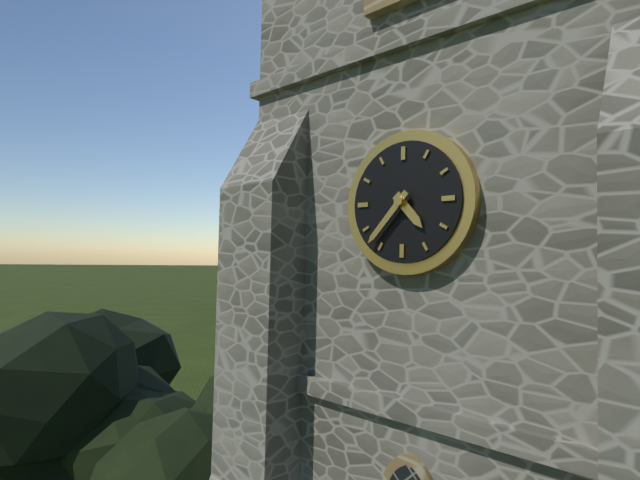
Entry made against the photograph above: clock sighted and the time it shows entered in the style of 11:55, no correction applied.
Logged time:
4:37
